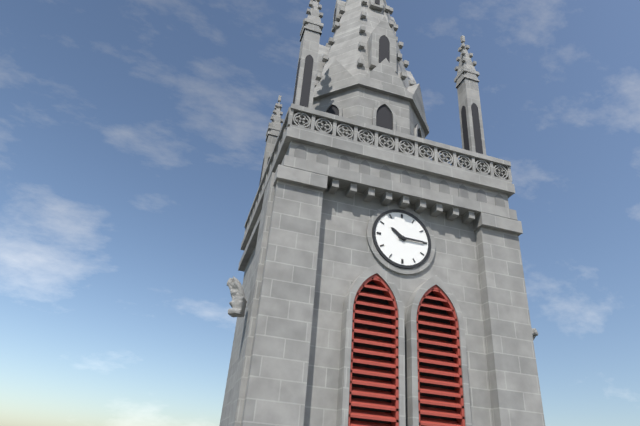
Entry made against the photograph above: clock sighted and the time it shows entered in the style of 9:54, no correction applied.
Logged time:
10:15
